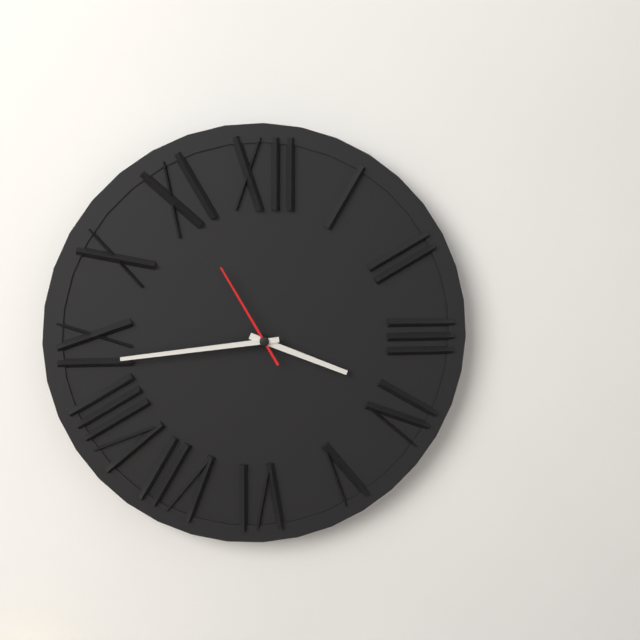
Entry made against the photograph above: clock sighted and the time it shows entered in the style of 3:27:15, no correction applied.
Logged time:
3:44:55
